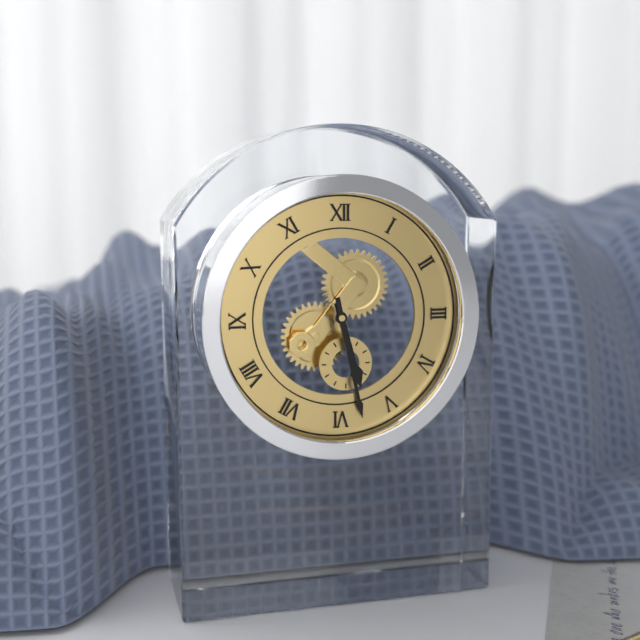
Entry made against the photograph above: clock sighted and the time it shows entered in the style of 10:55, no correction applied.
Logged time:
5:28
